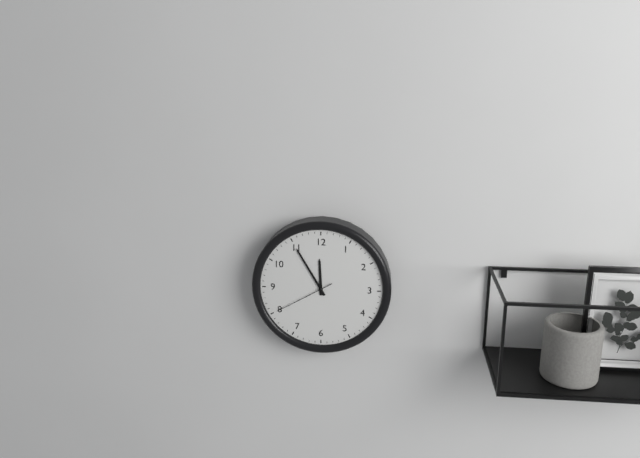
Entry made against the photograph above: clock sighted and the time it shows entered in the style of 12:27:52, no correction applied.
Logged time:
11:55:40
